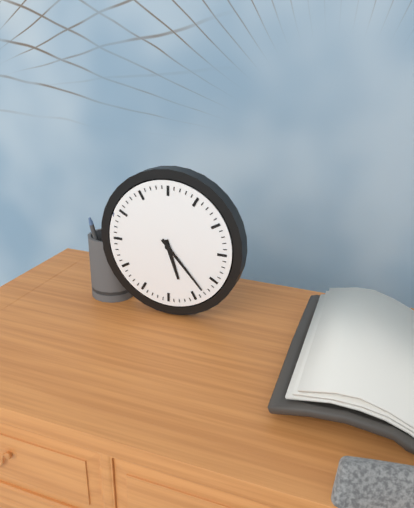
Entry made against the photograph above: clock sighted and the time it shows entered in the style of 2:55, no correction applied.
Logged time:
5:23
